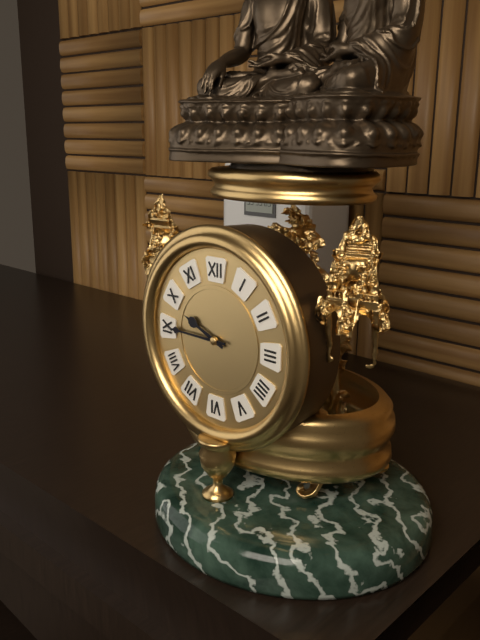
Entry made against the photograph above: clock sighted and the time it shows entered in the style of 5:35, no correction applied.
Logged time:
9:45
